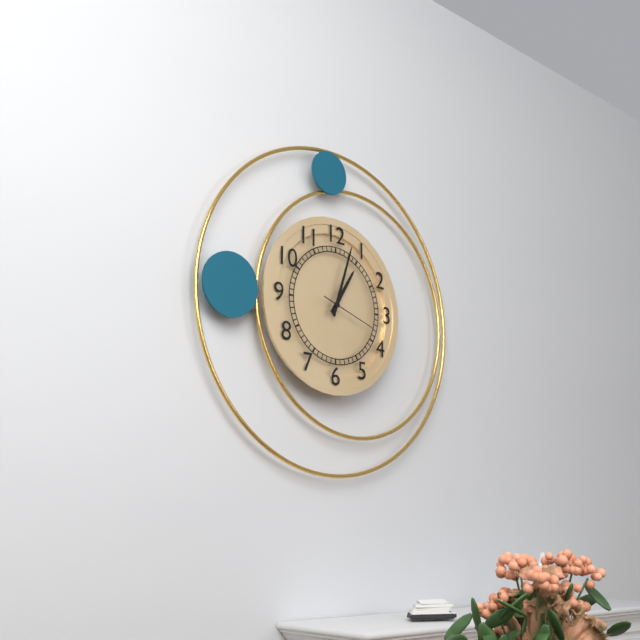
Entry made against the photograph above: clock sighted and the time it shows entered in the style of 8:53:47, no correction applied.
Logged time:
1:03:18
